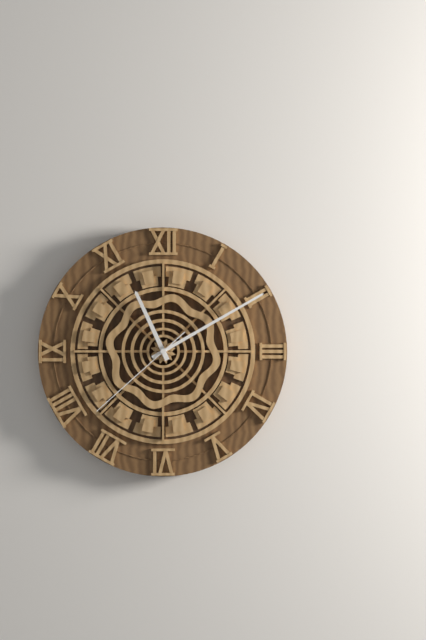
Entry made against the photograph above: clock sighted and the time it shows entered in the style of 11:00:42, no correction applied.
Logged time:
11:10:38
